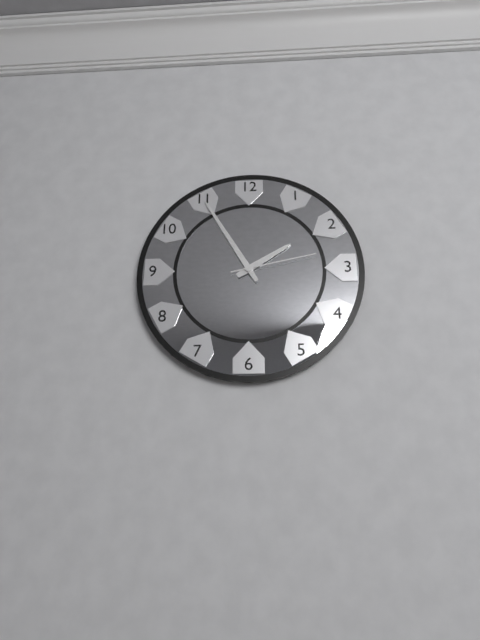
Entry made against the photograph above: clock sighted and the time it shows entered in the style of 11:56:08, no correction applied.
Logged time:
1:55:13
